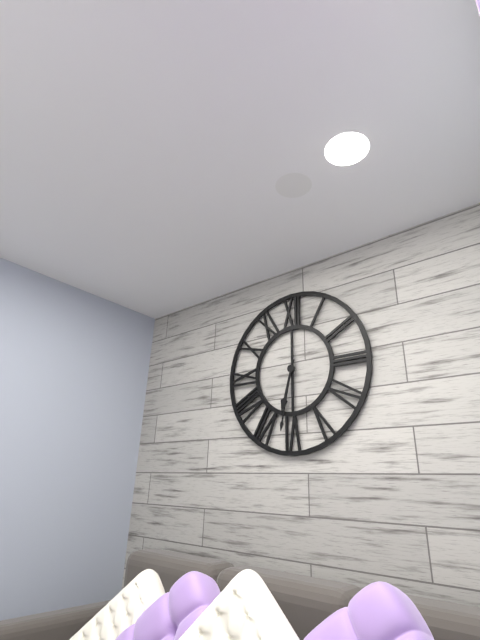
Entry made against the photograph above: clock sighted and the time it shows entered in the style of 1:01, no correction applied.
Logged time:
6:32
